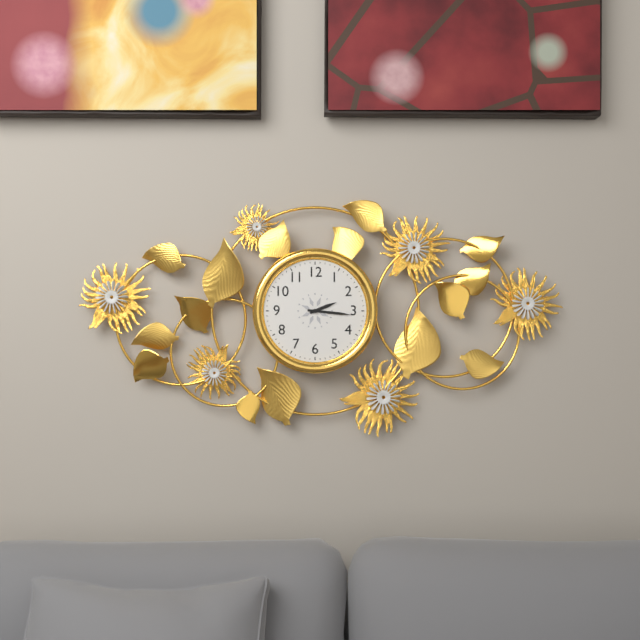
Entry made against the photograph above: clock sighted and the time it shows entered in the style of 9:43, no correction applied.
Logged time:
2:16
